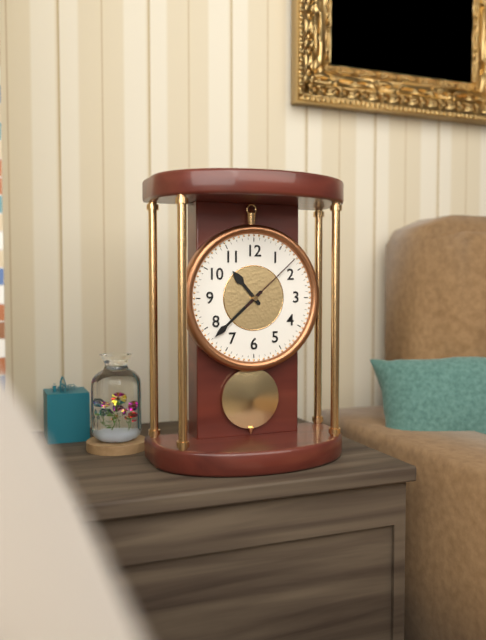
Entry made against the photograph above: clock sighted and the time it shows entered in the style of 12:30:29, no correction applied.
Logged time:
10:38:08
